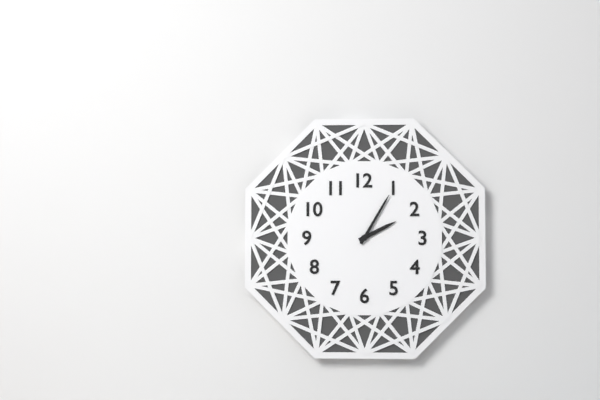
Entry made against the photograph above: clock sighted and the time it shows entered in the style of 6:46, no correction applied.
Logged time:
2:05
